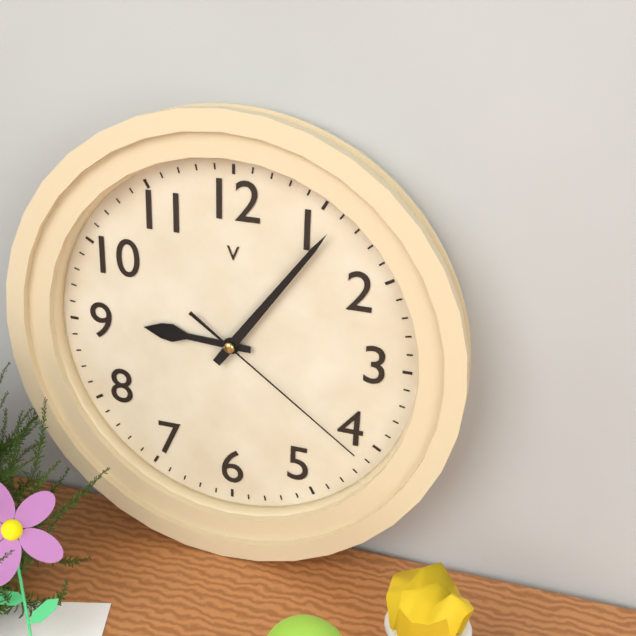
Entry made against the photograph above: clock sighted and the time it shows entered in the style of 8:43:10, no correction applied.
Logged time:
9:06:21
